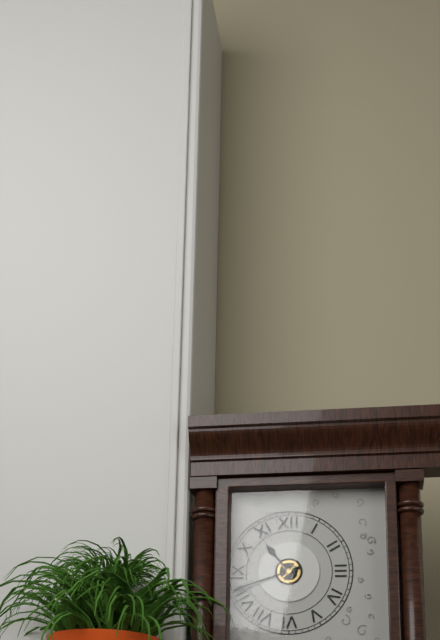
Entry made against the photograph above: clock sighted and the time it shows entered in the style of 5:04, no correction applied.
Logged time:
10:42
